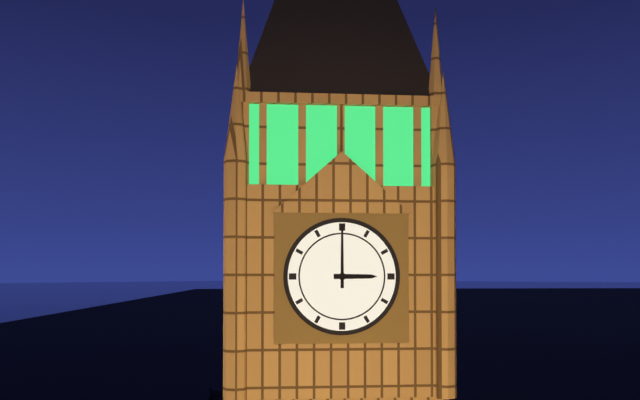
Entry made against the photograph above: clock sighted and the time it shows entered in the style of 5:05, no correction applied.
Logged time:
3:00
